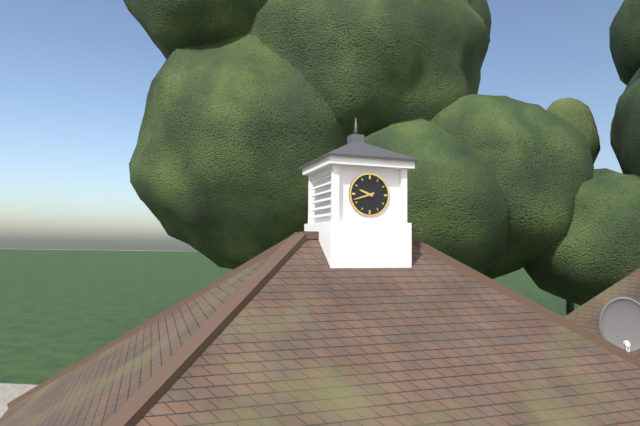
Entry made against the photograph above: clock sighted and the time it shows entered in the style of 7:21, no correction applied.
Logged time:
9:42
